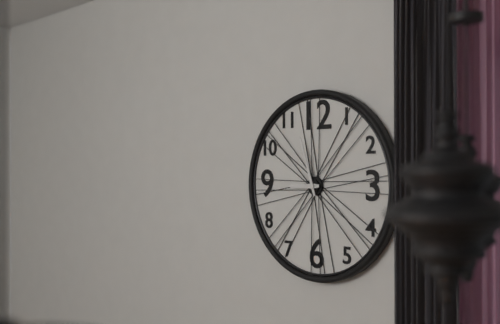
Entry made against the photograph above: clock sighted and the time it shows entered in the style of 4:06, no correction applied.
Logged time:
8:57
